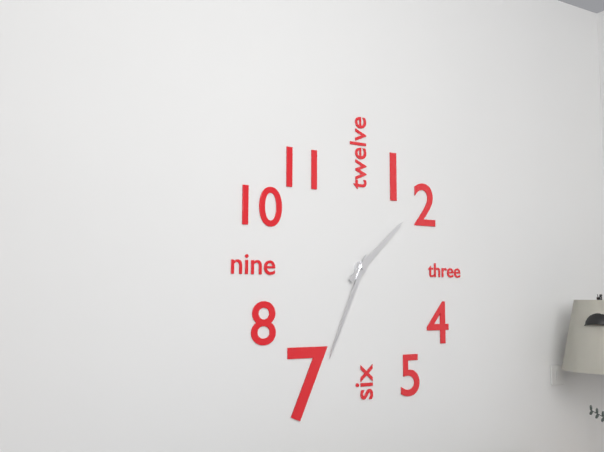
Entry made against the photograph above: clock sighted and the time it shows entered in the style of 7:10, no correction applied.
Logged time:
1:34
